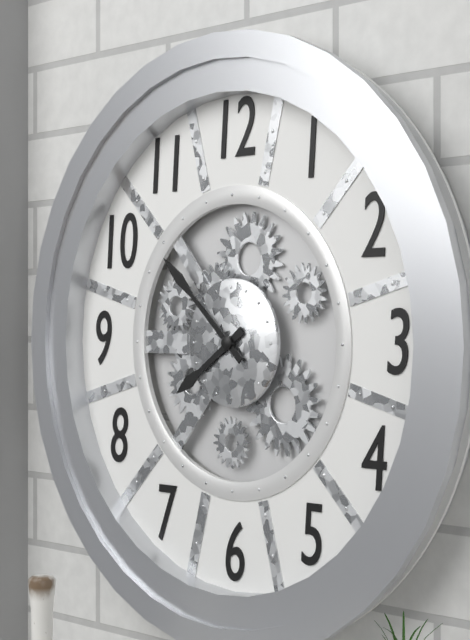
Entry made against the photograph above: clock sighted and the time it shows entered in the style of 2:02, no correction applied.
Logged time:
7:52
